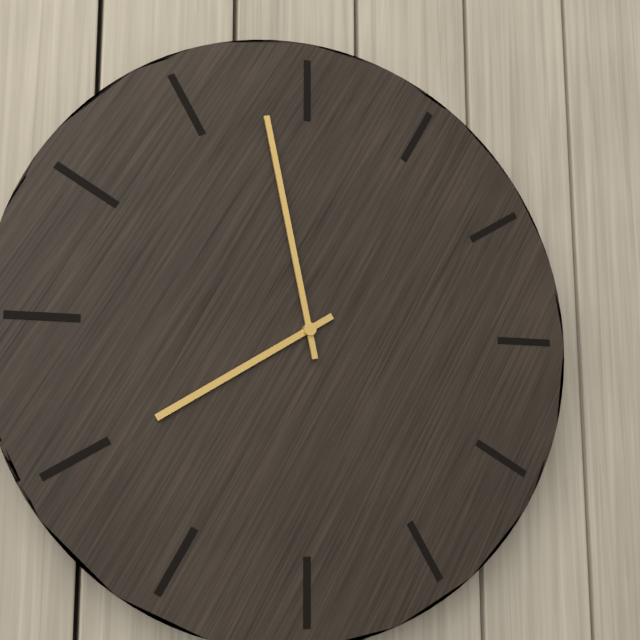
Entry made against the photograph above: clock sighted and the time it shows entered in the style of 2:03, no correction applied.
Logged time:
7:58
